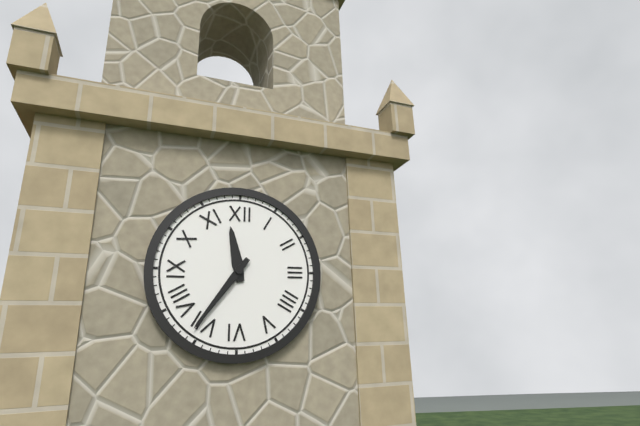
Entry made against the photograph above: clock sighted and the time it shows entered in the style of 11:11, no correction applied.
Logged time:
11:36
